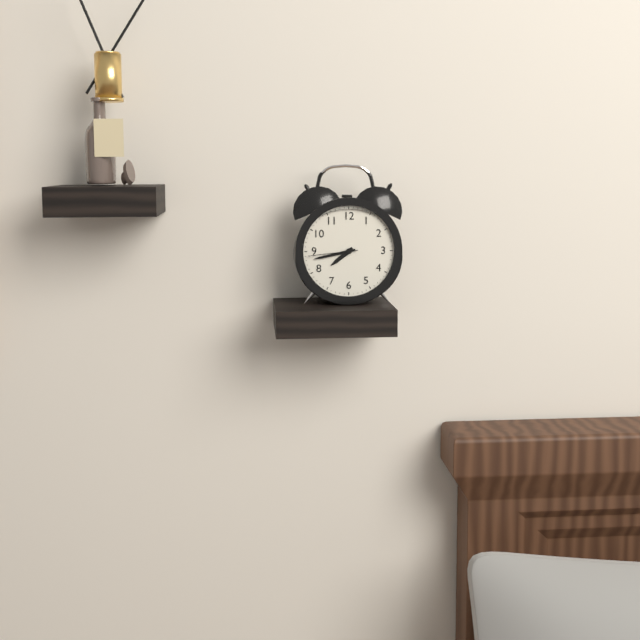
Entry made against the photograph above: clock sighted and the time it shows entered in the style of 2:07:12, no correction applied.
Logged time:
7:43:44
